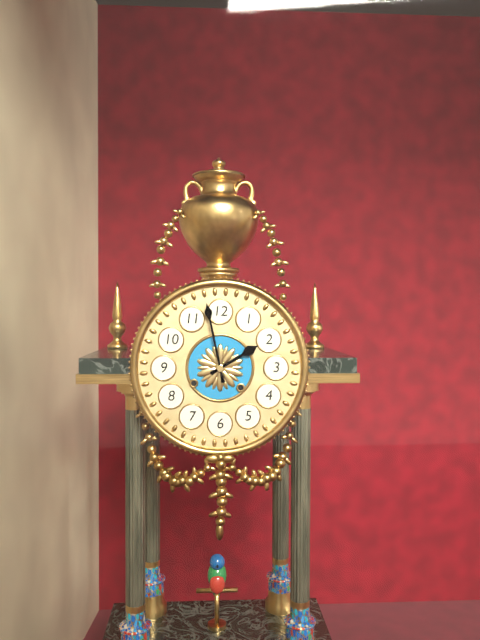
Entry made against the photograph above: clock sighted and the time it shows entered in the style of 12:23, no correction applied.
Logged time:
1:58
